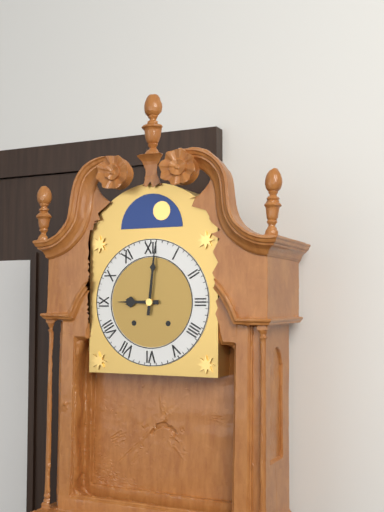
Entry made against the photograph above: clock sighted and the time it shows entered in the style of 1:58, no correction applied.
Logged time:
9:01
